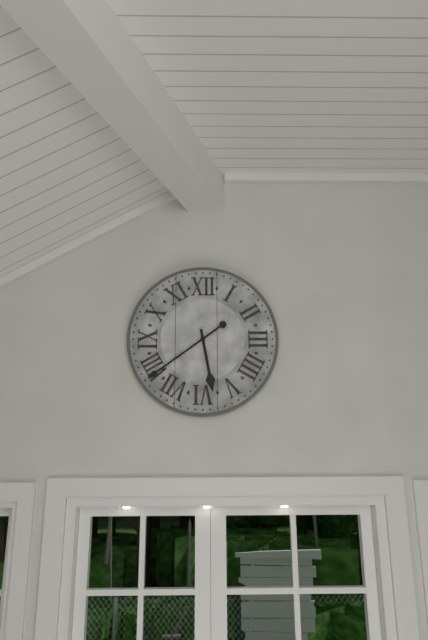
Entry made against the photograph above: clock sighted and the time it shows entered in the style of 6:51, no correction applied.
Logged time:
5:39
